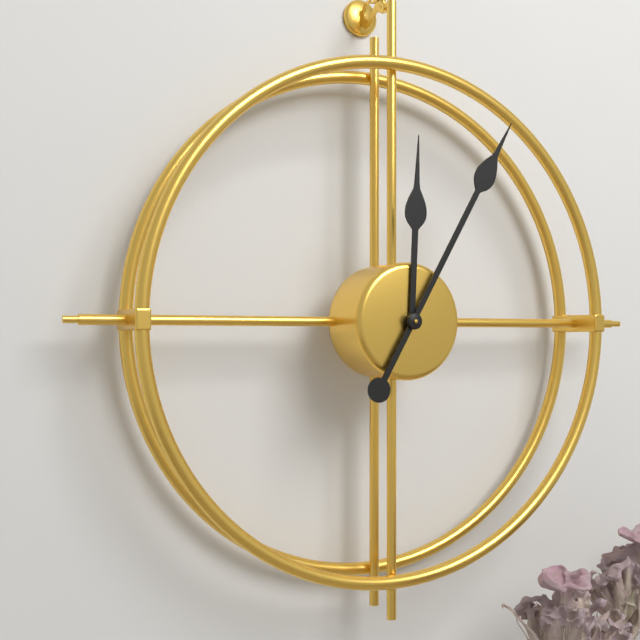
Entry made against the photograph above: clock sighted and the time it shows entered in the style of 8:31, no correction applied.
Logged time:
12:05
